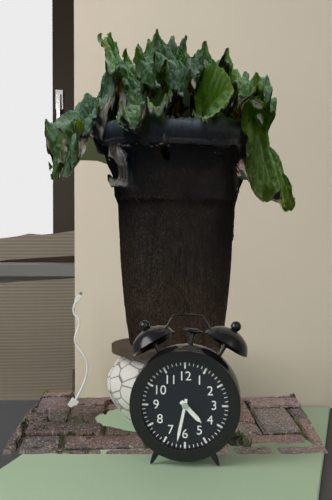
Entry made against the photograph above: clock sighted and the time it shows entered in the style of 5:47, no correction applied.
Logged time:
4:32
